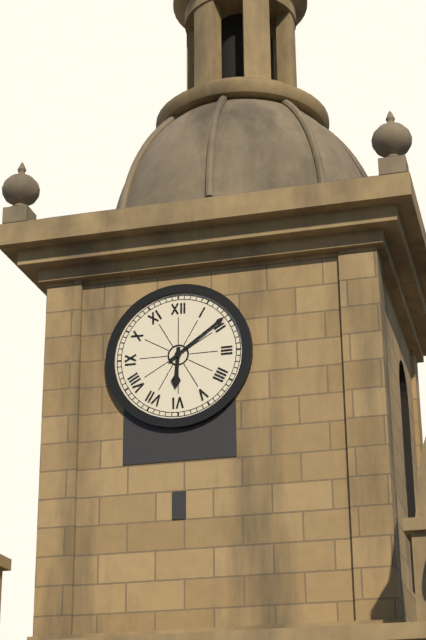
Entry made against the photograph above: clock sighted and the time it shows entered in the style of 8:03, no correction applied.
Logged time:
6:09
